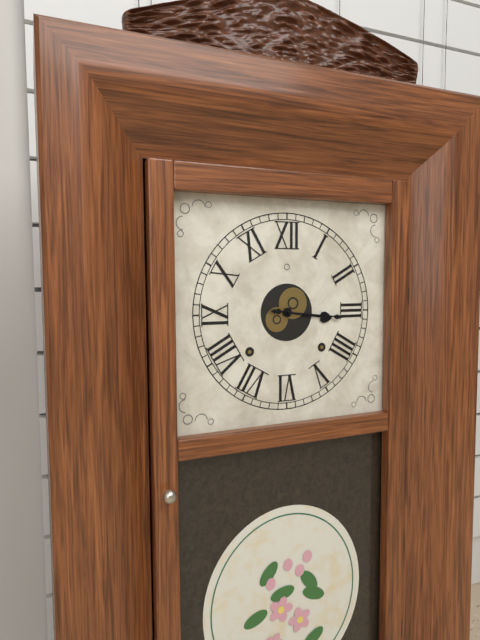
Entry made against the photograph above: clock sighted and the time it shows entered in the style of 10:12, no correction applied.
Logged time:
3:16
